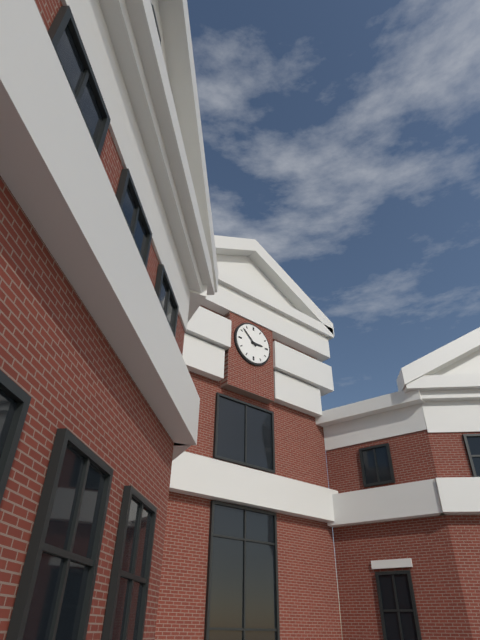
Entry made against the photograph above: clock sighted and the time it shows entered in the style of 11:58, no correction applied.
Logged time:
2:52
